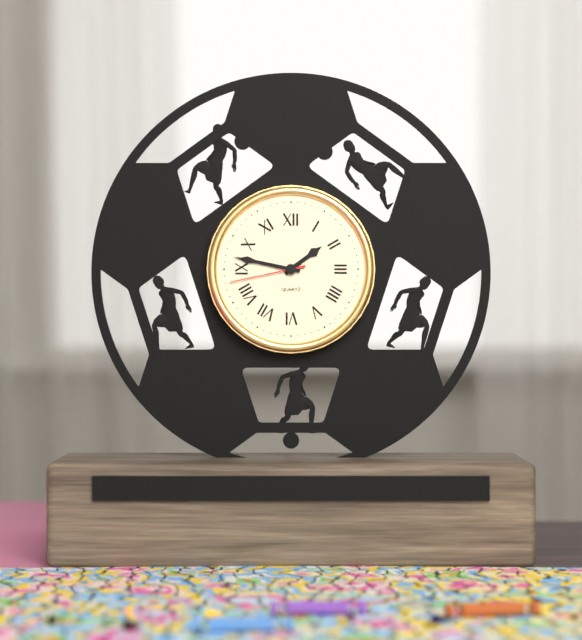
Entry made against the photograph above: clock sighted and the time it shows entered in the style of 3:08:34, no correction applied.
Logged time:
1:47:43
